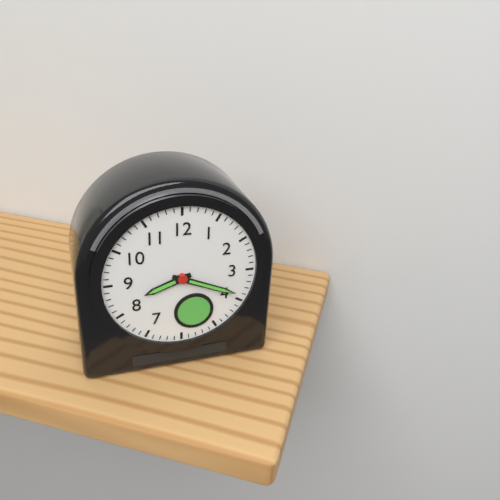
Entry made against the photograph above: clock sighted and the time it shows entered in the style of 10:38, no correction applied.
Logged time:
8:19
